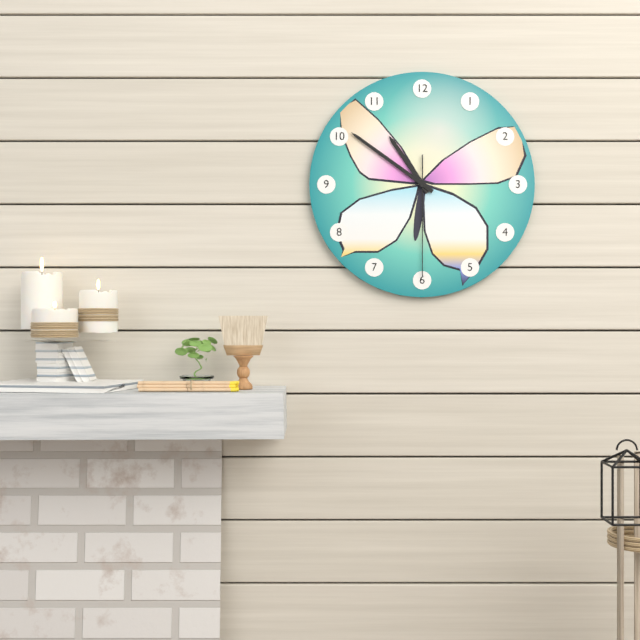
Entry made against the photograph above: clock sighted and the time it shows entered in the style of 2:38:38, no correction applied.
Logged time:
10:51:30
